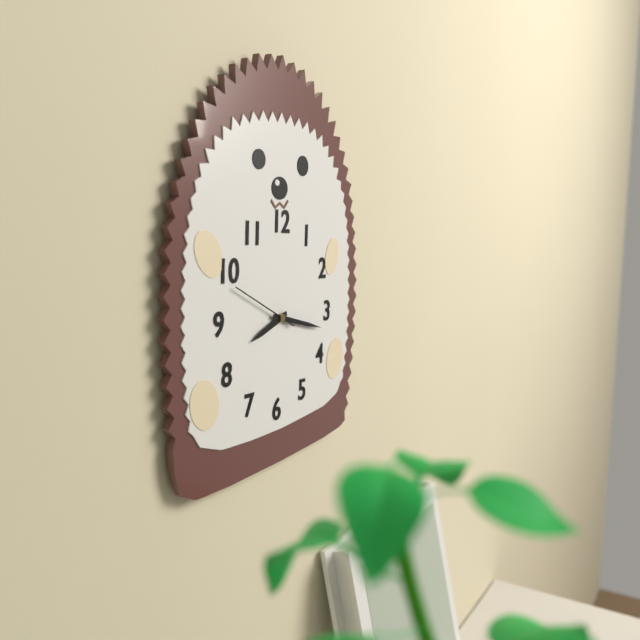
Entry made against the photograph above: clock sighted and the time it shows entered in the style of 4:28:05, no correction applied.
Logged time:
8:17:49
